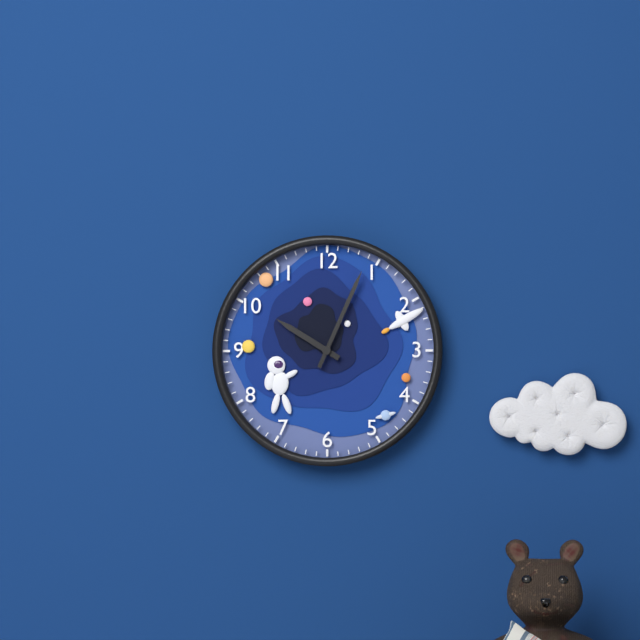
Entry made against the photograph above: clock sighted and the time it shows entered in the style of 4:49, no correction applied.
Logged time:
10:04
